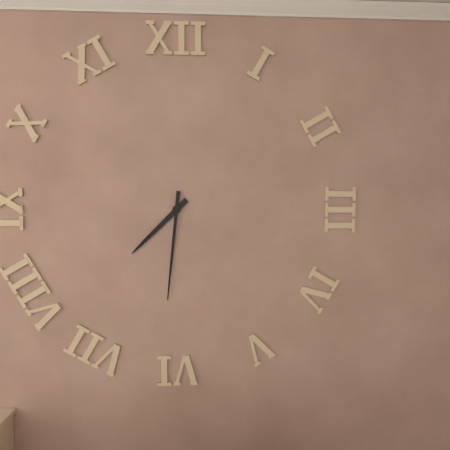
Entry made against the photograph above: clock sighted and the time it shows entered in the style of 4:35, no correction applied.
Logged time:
7:31
